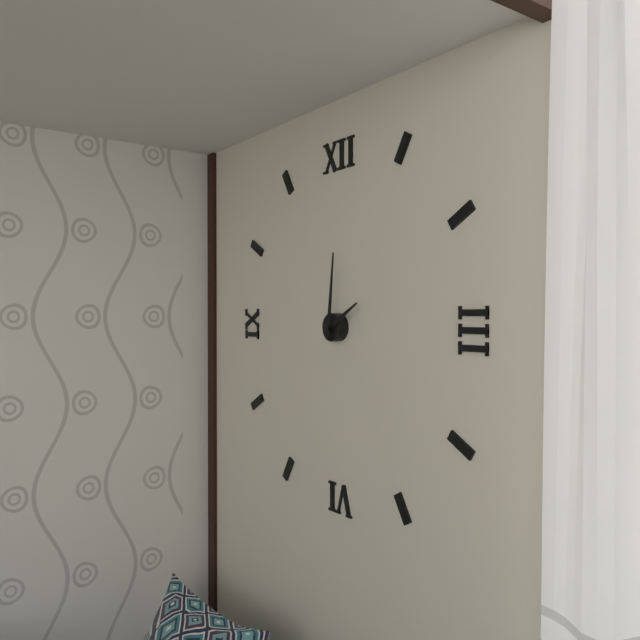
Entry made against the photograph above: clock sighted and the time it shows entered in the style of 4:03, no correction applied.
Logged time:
2:01
